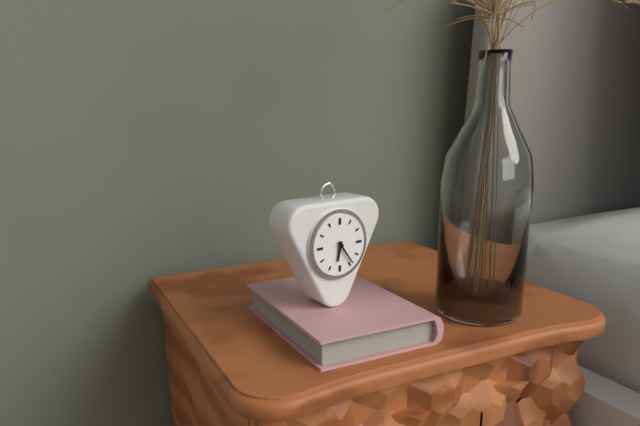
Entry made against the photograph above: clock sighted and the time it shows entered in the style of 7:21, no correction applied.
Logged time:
6:24
